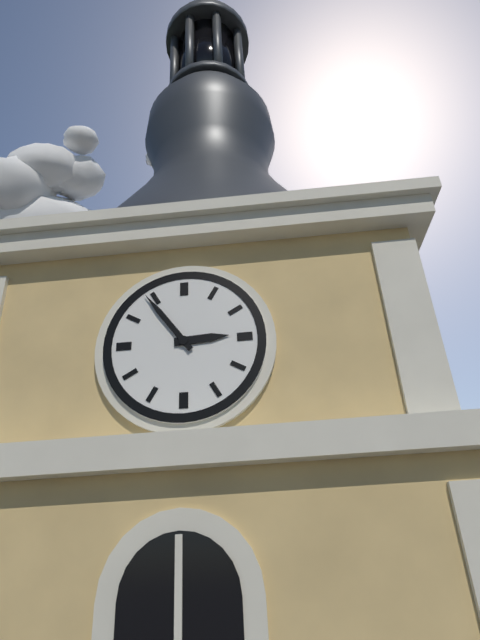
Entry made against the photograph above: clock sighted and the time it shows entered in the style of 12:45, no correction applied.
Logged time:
2:54
